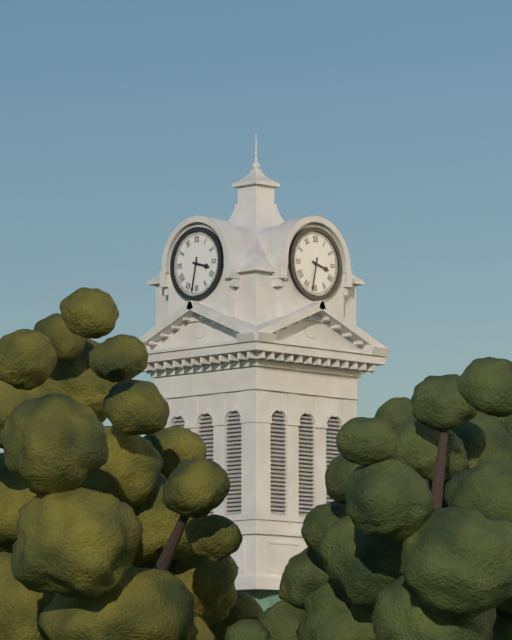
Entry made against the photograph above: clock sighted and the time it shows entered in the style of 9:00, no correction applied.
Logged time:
3:32
